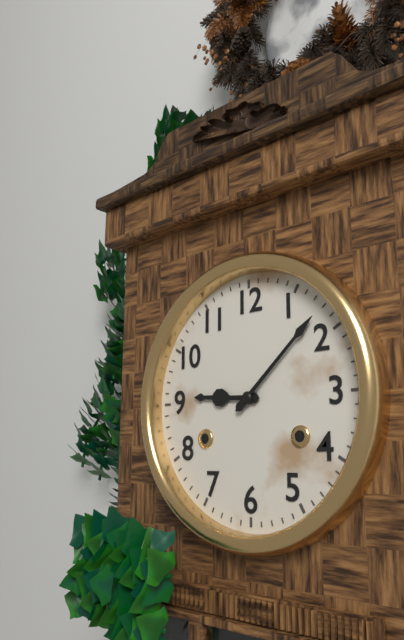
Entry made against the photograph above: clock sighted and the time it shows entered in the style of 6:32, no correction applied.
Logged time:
9:08
